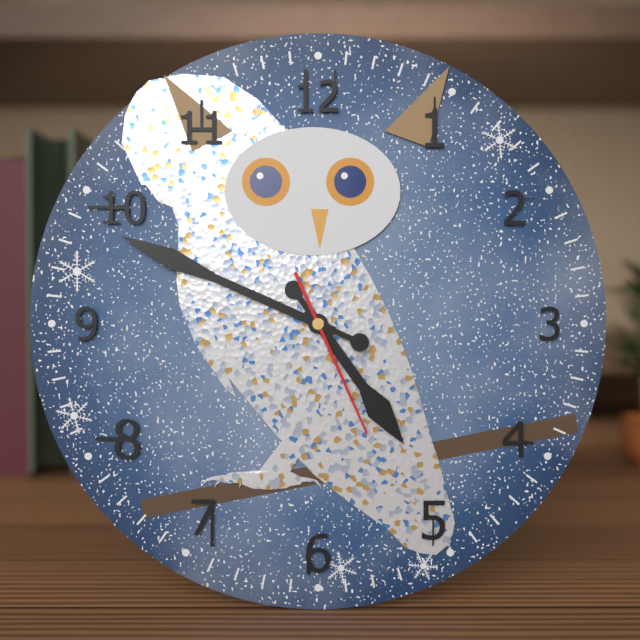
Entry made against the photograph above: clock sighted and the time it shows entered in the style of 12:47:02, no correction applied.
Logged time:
4:49:26
